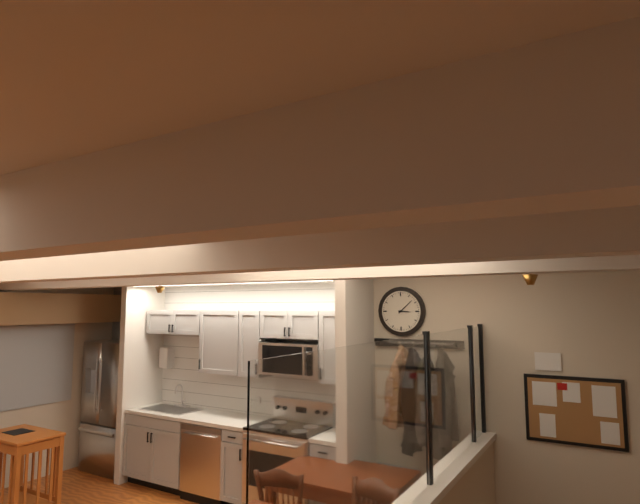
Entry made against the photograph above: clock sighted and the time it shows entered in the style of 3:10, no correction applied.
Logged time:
3:08
